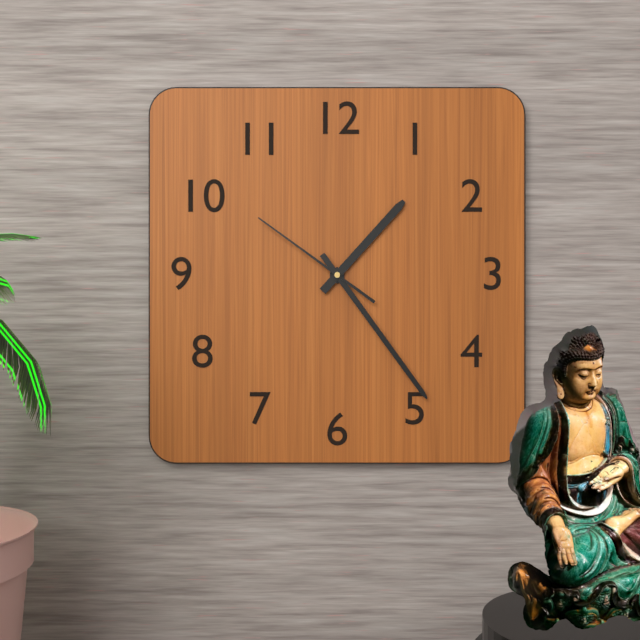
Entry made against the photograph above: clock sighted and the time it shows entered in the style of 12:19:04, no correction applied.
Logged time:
1:24:51
